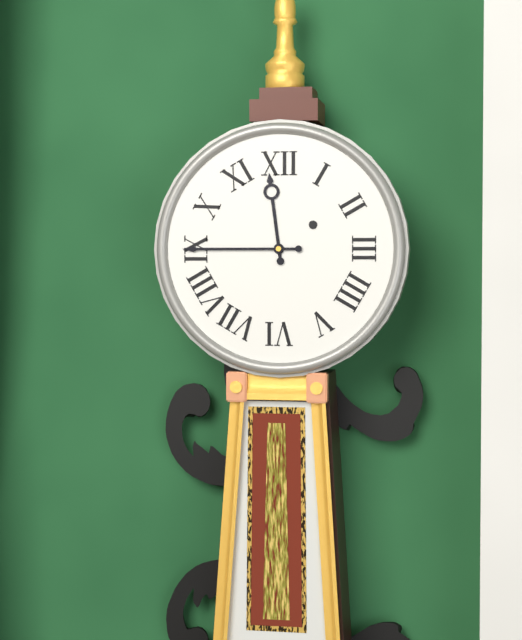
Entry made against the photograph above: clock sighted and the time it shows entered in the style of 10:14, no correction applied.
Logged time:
11:45
